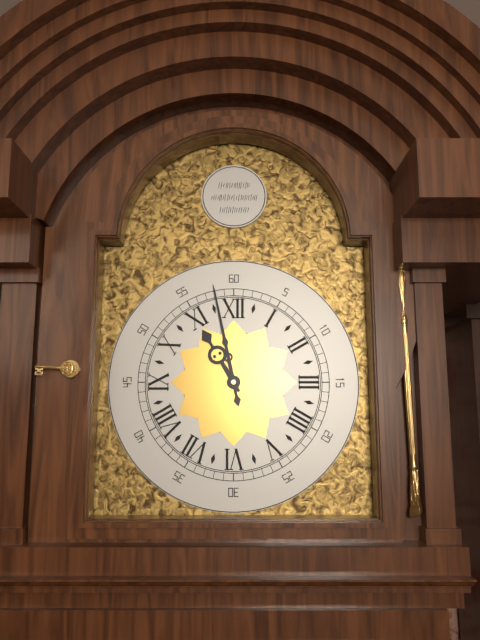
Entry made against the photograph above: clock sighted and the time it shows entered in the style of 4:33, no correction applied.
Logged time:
10:58
